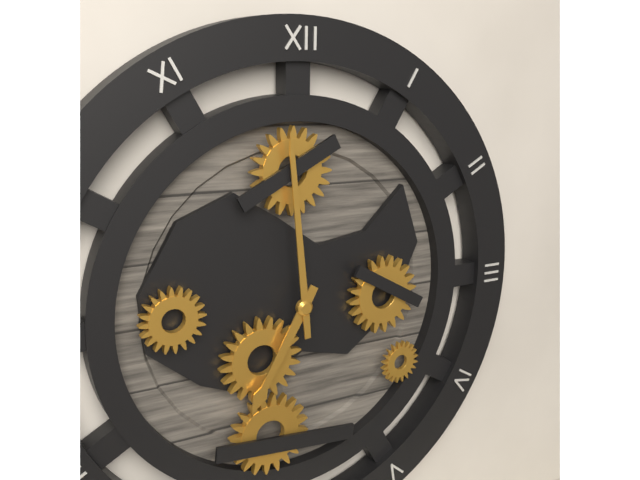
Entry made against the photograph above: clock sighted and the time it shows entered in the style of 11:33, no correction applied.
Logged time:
6:59
